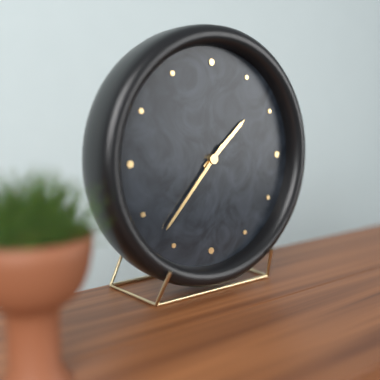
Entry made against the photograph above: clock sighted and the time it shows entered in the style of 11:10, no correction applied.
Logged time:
1:37
